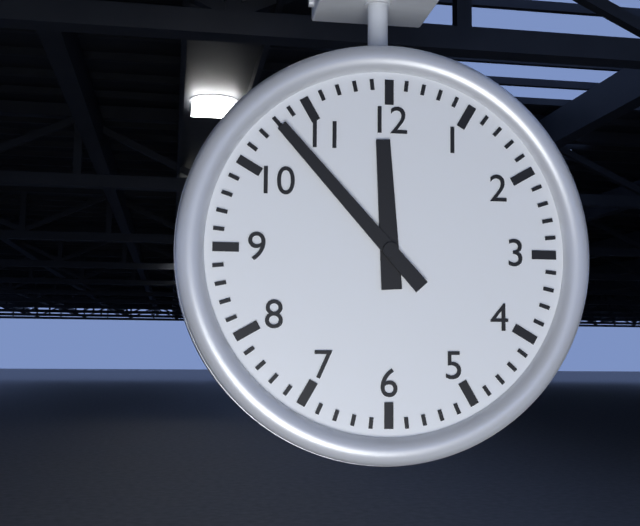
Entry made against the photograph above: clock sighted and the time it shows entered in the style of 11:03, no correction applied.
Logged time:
11:53
